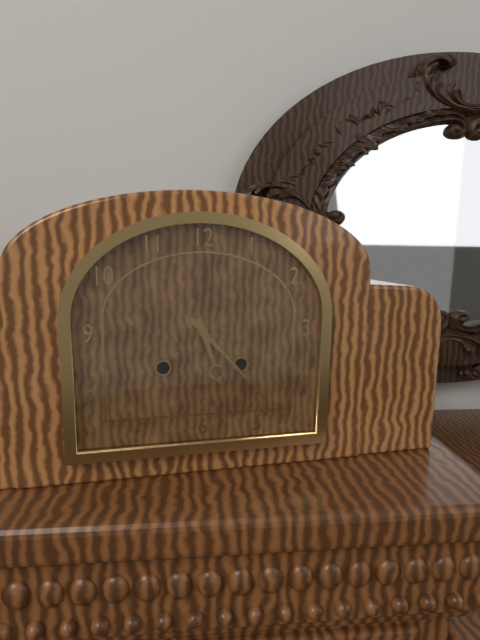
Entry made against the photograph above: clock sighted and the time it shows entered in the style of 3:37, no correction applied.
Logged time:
5:23
